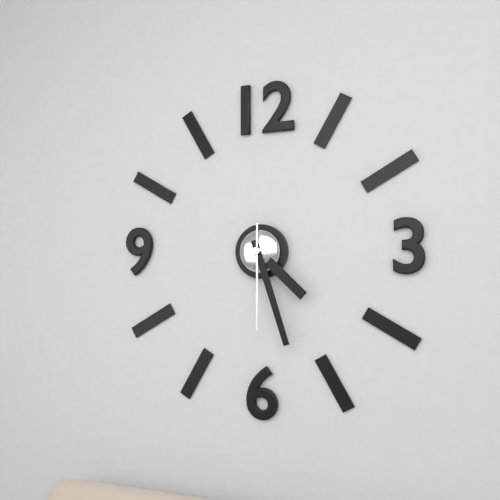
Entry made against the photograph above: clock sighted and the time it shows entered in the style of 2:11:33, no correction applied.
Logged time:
4:27:30
